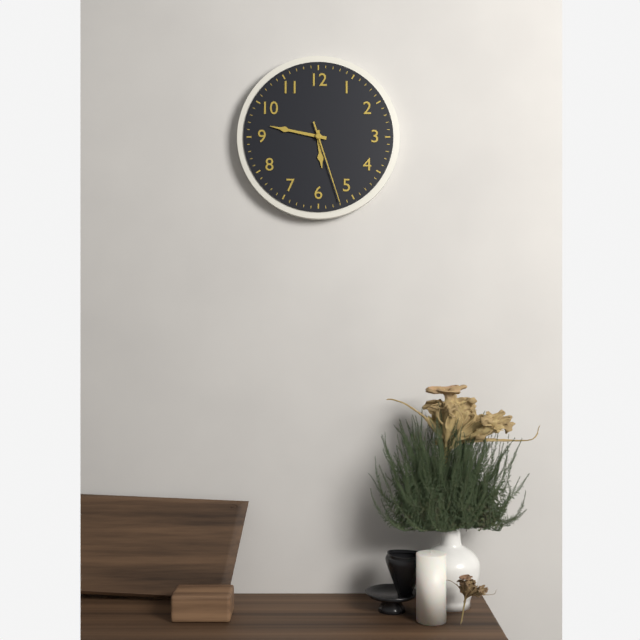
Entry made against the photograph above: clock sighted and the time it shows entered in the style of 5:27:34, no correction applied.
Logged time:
5:47:27
